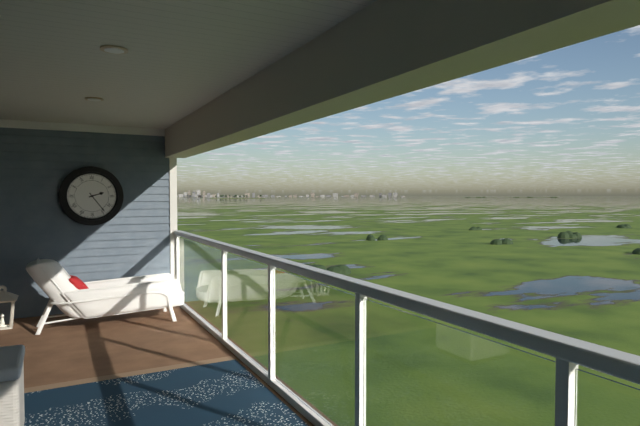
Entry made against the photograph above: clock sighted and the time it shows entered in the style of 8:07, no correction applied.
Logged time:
2:24
